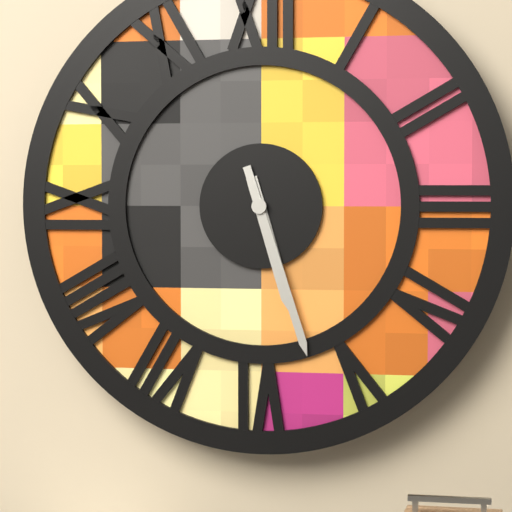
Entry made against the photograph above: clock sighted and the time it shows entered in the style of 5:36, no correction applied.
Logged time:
5:27
